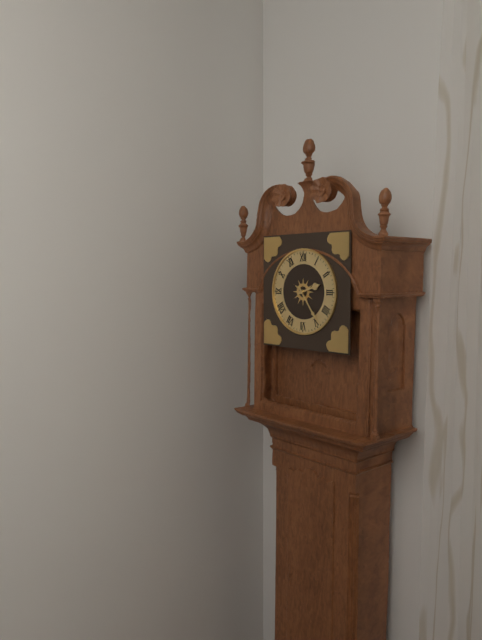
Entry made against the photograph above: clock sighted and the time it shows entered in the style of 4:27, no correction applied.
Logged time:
2:24
